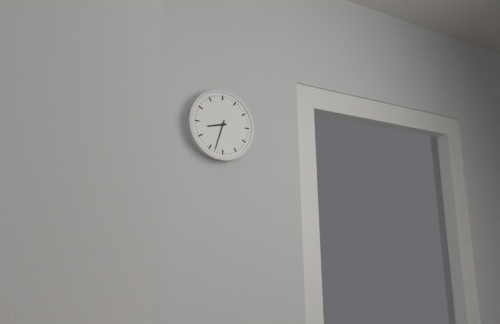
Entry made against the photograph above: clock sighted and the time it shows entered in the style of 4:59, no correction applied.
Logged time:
8:33
